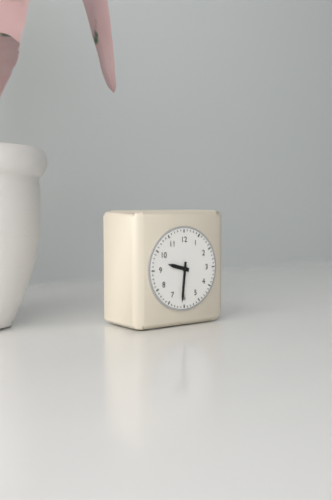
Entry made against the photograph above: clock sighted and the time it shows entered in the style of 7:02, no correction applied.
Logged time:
9:31
